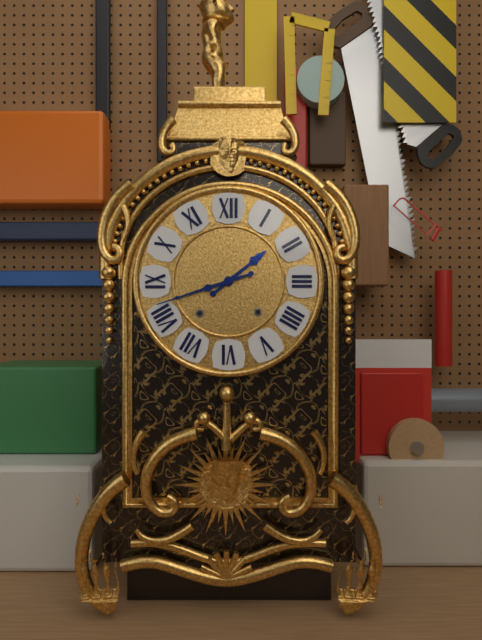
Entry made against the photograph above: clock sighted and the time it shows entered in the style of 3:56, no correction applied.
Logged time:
1:42
